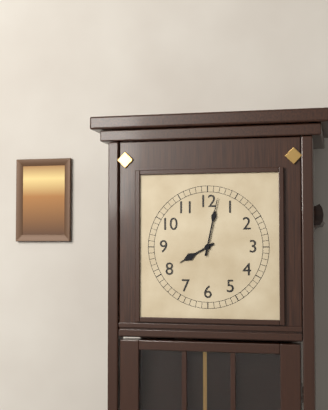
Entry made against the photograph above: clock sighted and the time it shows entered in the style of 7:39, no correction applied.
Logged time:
8:02
